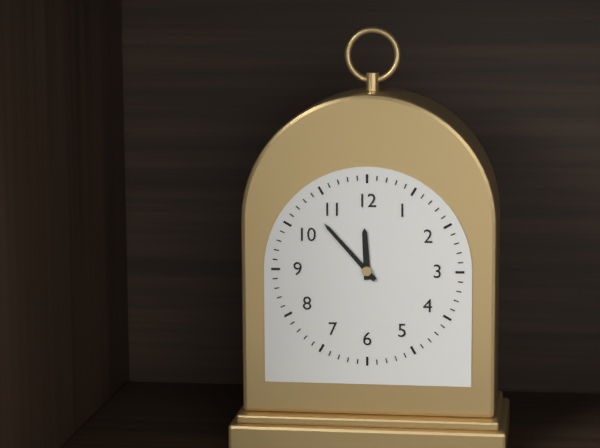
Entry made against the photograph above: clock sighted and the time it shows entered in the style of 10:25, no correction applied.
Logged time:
11:53
